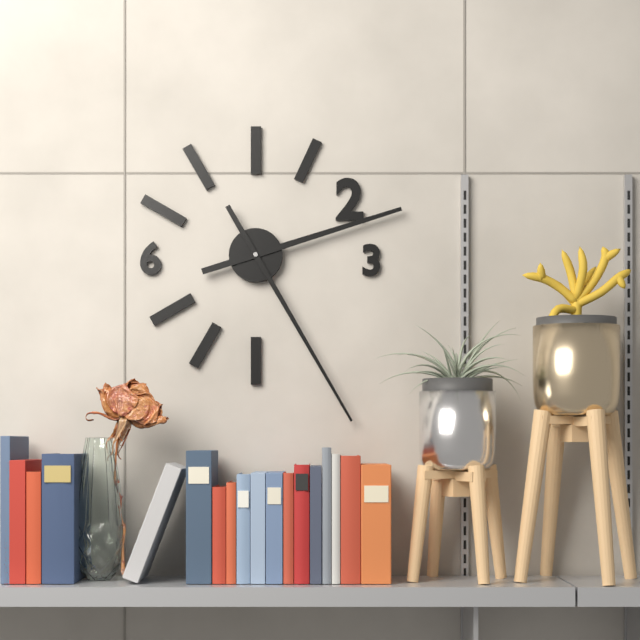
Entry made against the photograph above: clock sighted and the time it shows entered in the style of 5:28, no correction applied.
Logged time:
2:25
